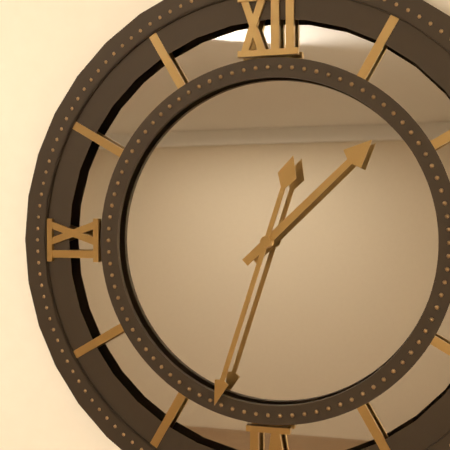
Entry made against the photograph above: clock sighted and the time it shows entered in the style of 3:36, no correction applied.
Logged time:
1:33
